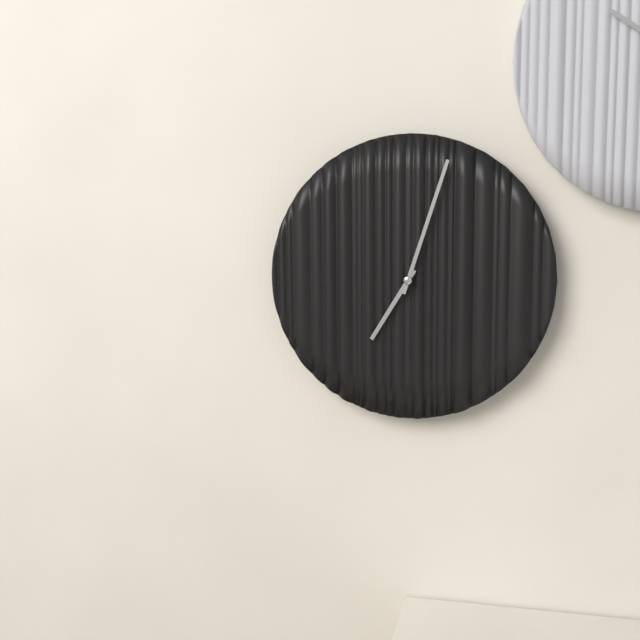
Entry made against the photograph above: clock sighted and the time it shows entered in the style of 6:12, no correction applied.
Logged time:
7:03
